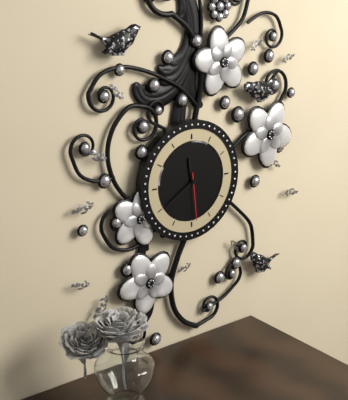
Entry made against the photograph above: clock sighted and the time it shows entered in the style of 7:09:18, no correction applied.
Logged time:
11:40:29
